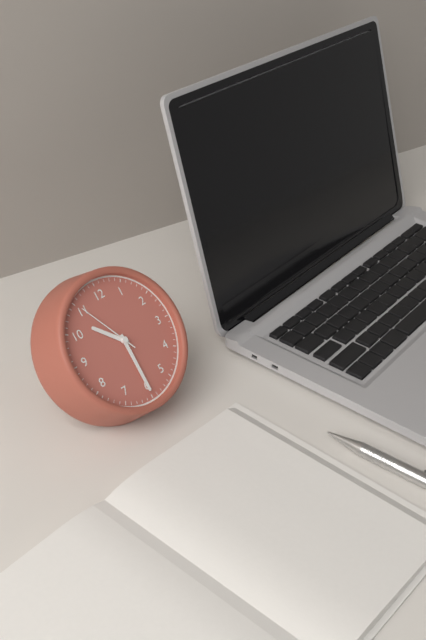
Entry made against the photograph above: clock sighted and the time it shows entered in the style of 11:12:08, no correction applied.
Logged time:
10:30:55
